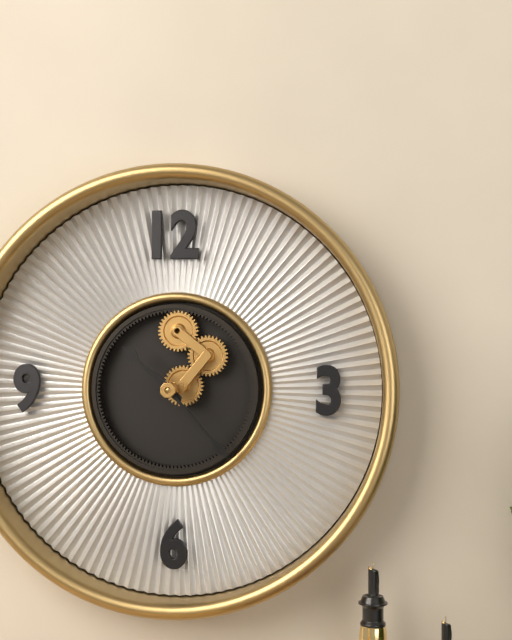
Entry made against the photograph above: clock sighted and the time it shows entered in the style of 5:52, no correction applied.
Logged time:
10:23
